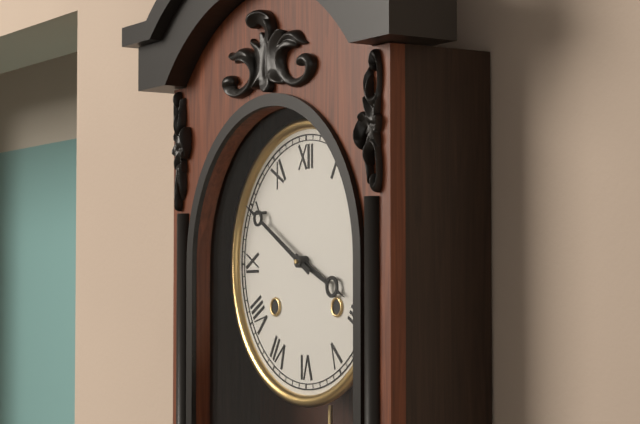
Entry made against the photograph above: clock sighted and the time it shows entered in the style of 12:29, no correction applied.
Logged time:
3:50
